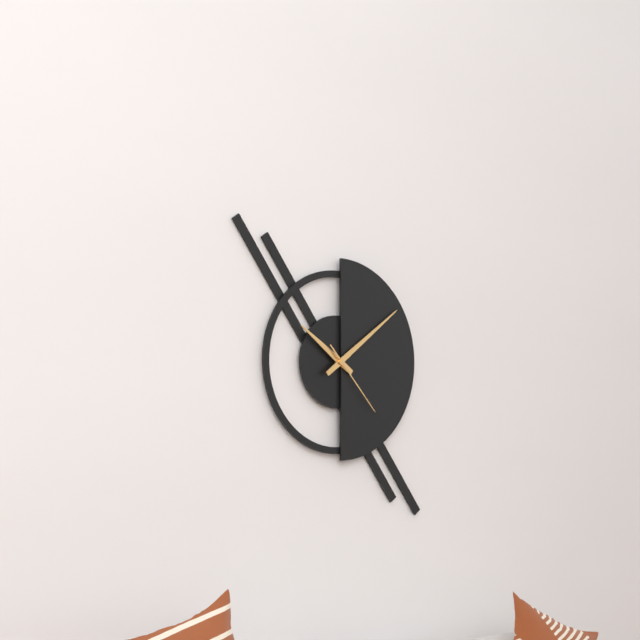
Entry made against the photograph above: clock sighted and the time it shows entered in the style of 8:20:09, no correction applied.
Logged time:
10:09:23
